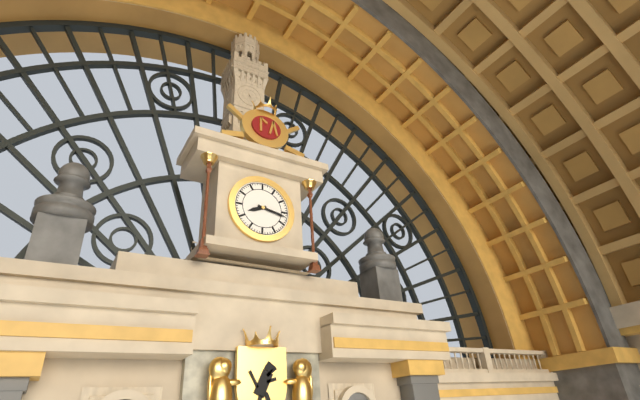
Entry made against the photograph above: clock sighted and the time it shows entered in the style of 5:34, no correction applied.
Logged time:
8:17
